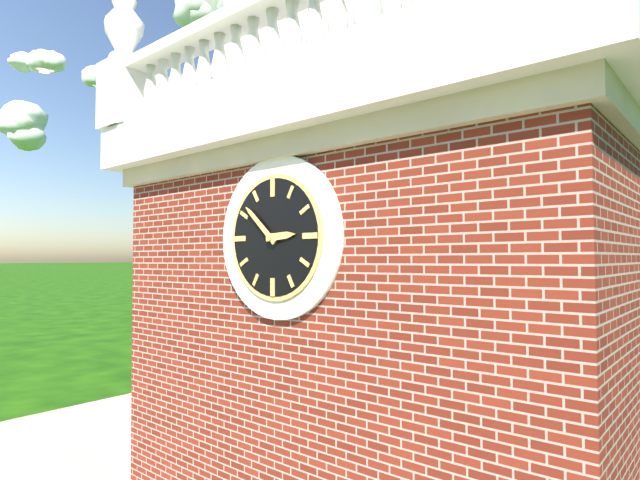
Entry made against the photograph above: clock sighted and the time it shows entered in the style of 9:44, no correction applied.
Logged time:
2:52
